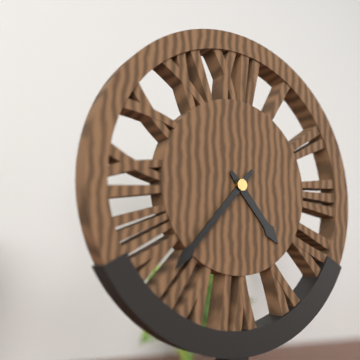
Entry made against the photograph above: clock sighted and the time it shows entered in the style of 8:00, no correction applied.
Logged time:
4:37
